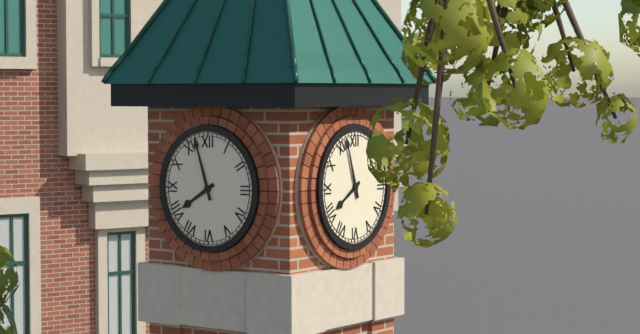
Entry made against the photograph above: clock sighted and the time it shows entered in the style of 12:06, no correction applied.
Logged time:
7:57
